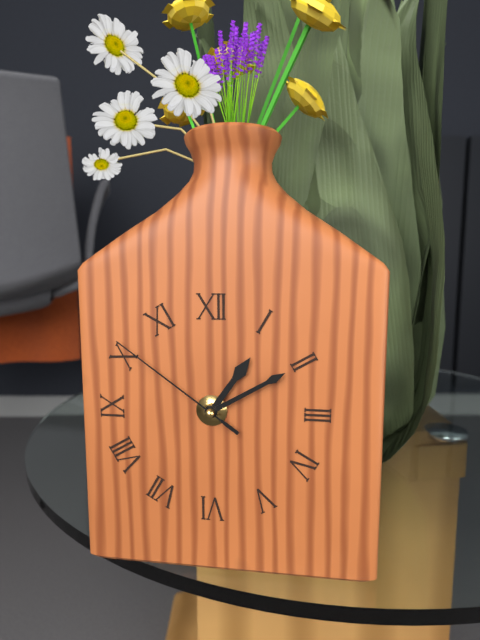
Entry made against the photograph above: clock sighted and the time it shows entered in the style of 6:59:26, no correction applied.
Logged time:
1:10:51
